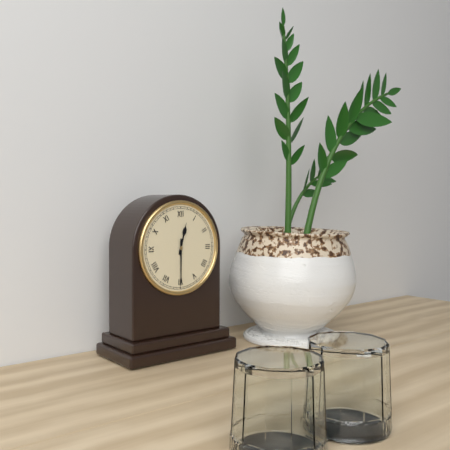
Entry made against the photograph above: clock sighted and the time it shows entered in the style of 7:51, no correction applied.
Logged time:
12:30
